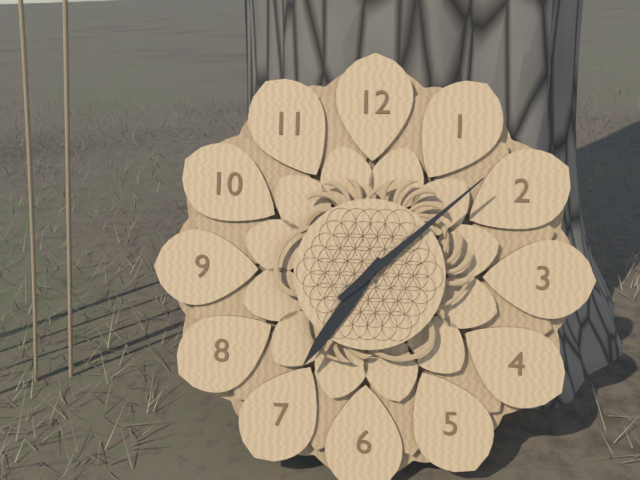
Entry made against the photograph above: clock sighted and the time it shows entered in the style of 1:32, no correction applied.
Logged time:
7:08
